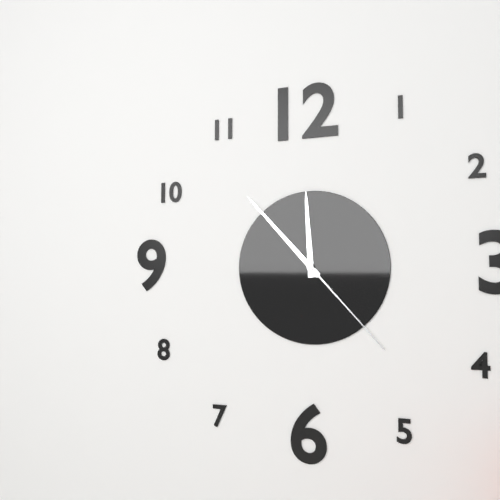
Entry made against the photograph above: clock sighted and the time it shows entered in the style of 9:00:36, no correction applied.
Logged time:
11:53:23
